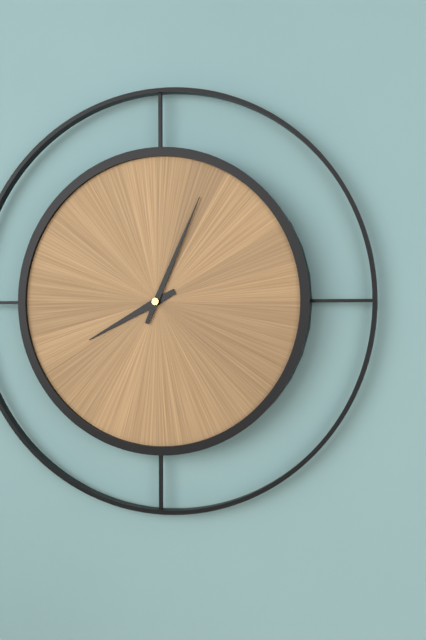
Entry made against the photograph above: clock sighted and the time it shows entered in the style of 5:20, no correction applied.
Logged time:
8:04
